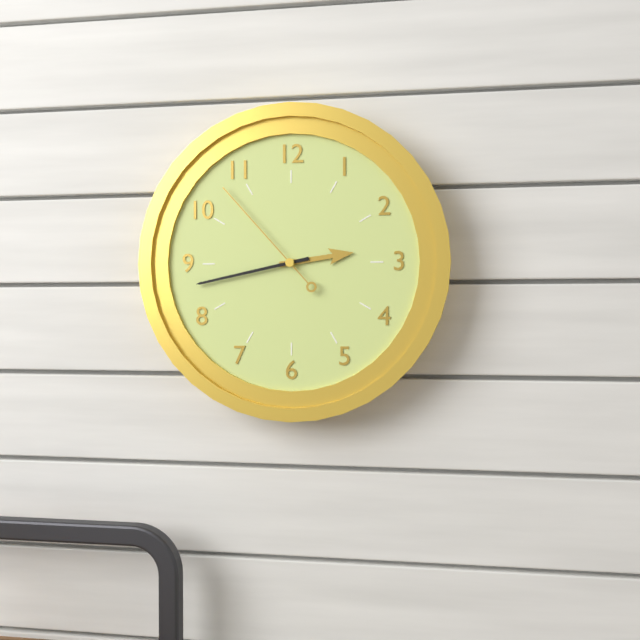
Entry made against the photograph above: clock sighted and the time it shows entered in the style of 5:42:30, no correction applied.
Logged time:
2:43:53
